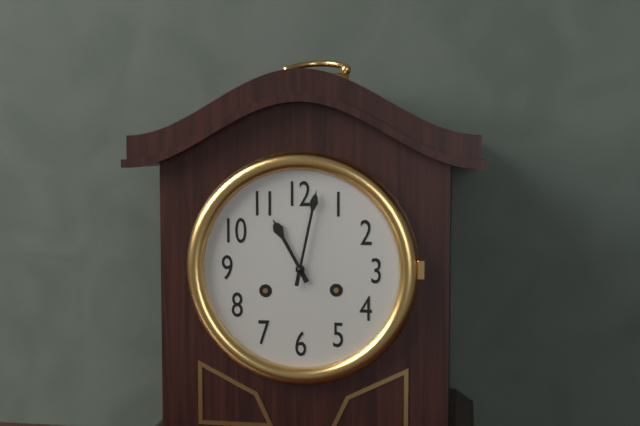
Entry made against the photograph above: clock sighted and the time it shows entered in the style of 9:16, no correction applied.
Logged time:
11:02
